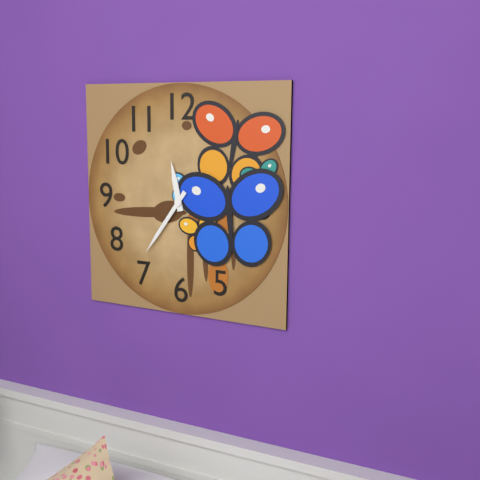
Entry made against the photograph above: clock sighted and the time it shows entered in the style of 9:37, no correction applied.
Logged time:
11:36
